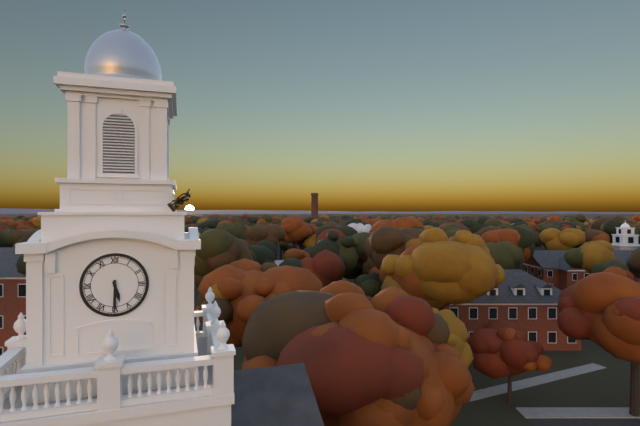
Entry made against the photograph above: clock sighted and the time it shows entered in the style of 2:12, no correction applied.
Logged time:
5:30
